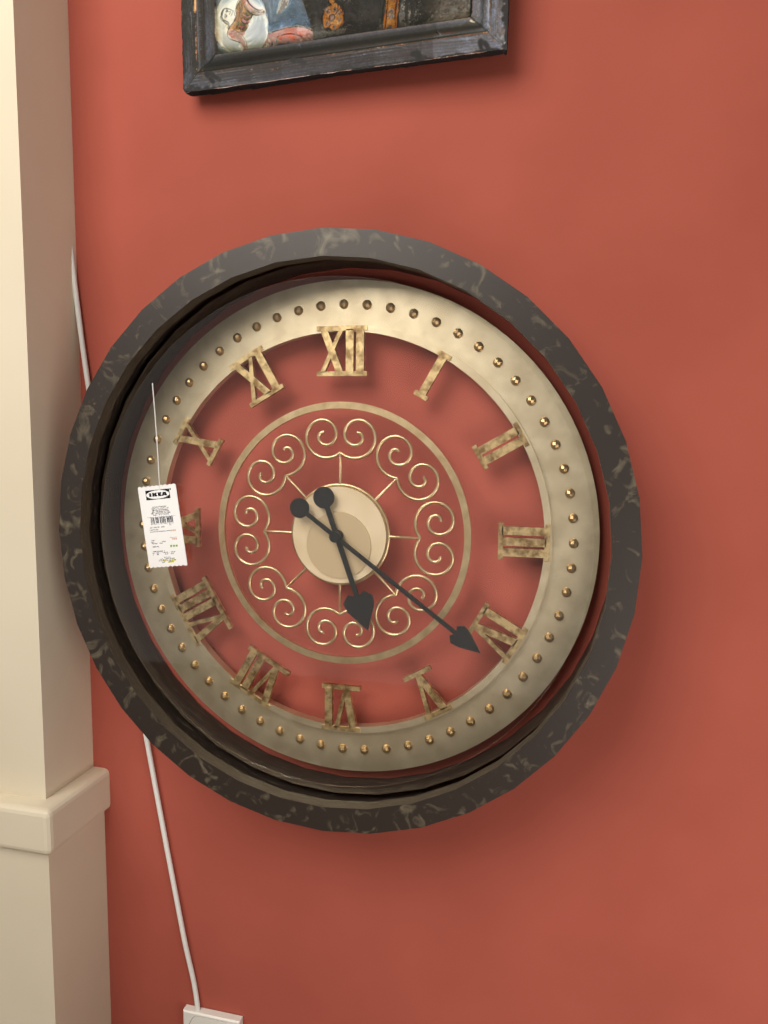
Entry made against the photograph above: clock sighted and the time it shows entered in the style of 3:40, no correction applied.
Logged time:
5:21
